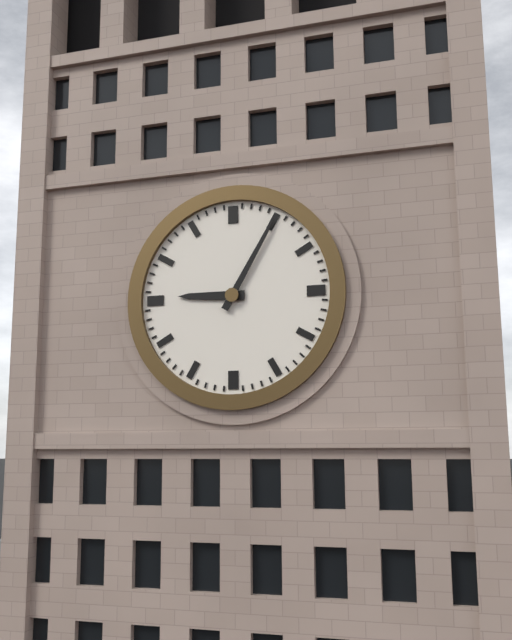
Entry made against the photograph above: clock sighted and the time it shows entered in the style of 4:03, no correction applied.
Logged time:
9:05
